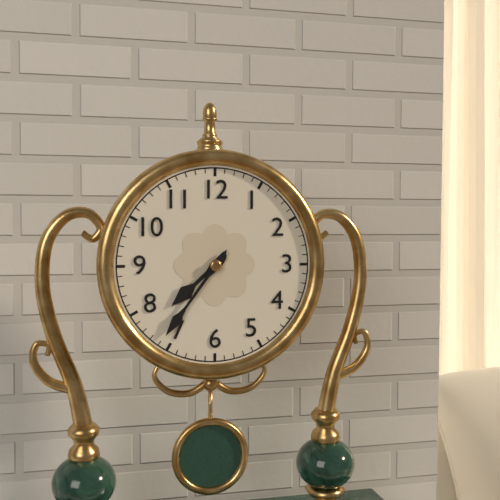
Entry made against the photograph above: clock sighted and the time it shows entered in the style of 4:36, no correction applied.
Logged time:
7:36
